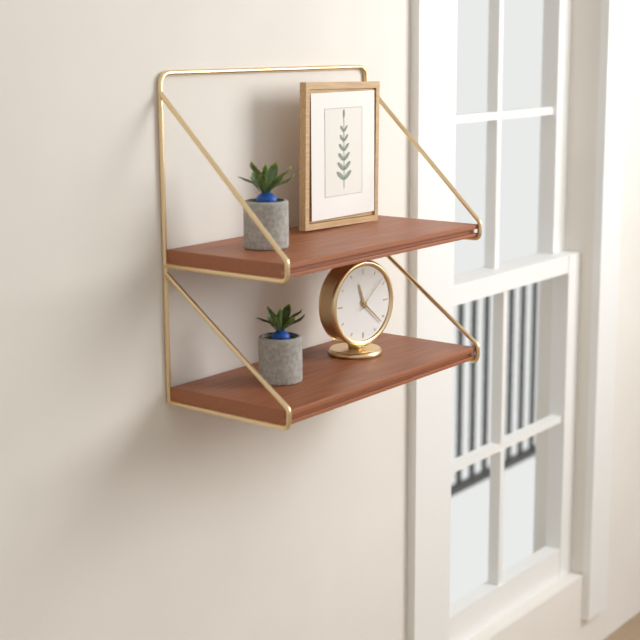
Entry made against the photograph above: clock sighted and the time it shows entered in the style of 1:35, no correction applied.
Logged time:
11:22
